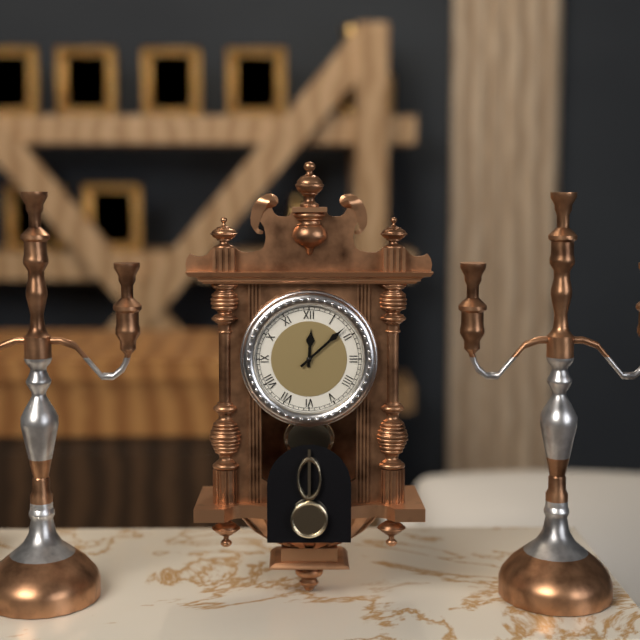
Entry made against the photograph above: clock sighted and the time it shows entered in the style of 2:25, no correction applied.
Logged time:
12:08
